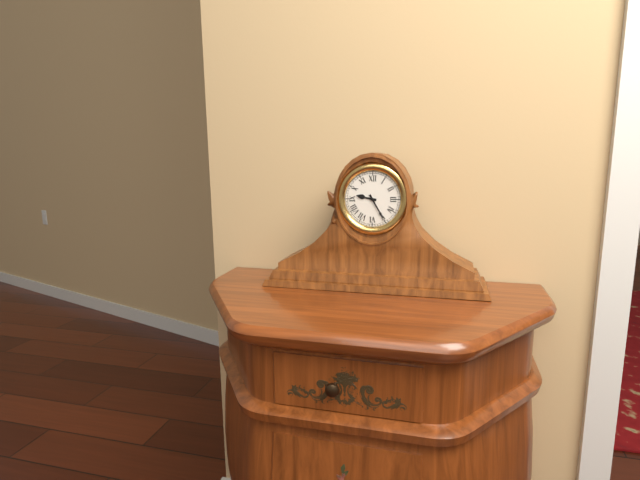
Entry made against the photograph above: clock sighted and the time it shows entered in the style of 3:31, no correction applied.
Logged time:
9:25
